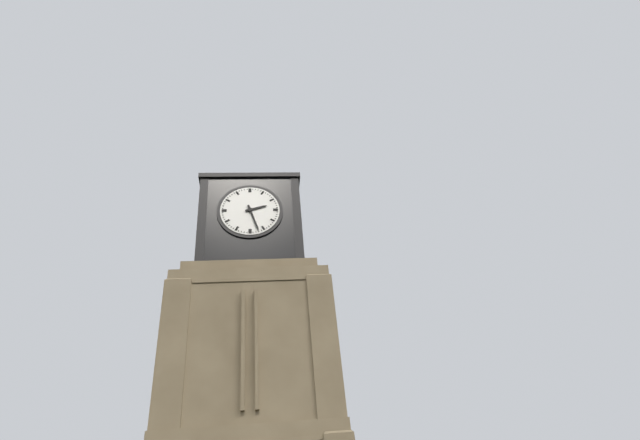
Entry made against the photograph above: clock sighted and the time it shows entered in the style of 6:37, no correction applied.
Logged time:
2:27
